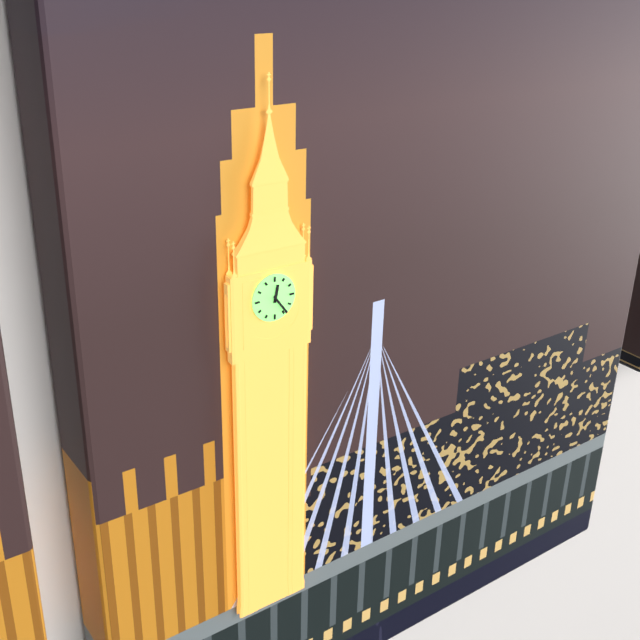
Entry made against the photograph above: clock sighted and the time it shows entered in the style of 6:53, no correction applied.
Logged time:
12:24
